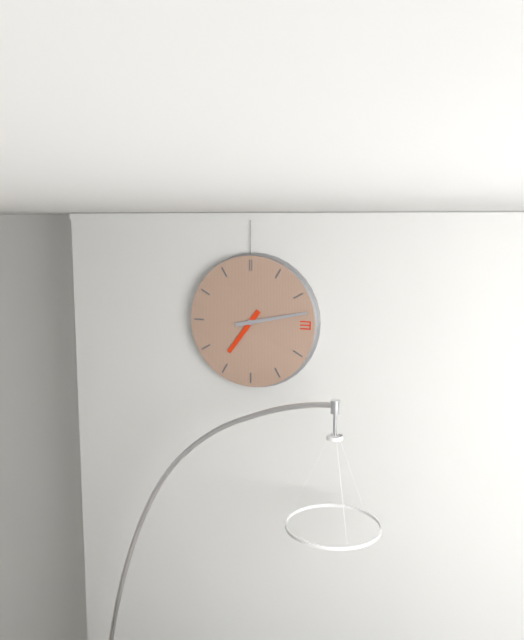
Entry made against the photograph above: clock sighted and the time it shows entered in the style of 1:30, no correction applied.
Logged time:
7:13
